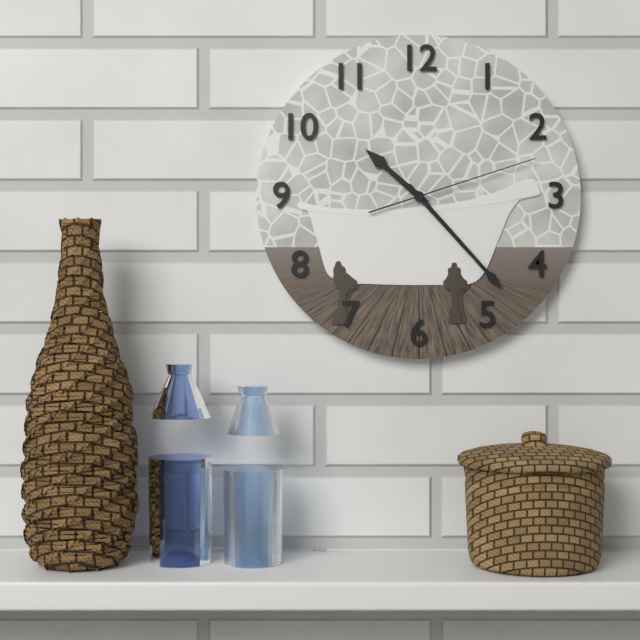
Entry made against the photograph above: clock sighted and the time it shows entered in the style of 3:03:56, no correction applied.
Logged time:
10:23:12
